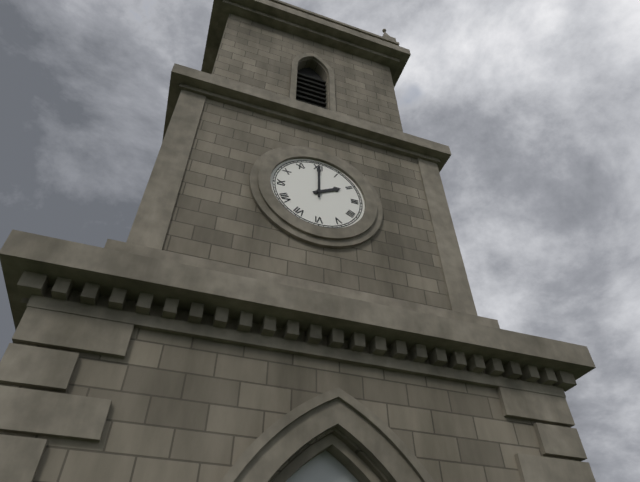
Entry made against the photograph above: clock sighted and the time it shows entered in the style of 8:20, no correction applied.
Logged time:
2:00
